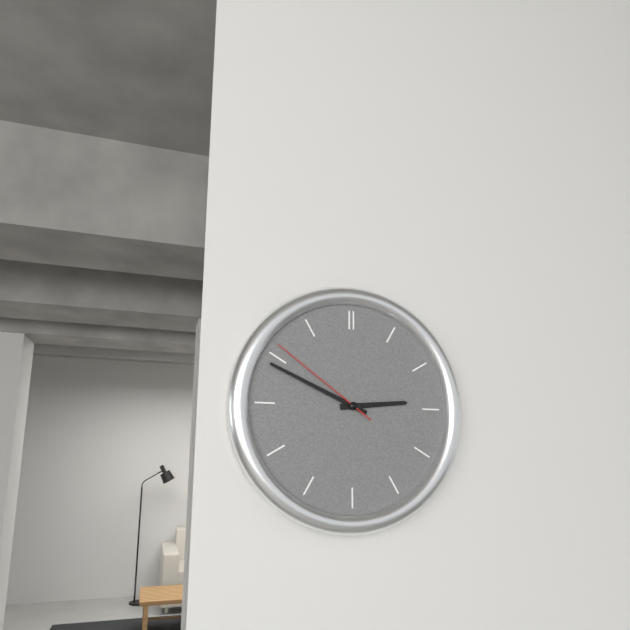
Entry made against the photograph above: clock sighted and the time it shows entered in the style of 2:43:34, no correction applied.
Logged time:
2:49:51
